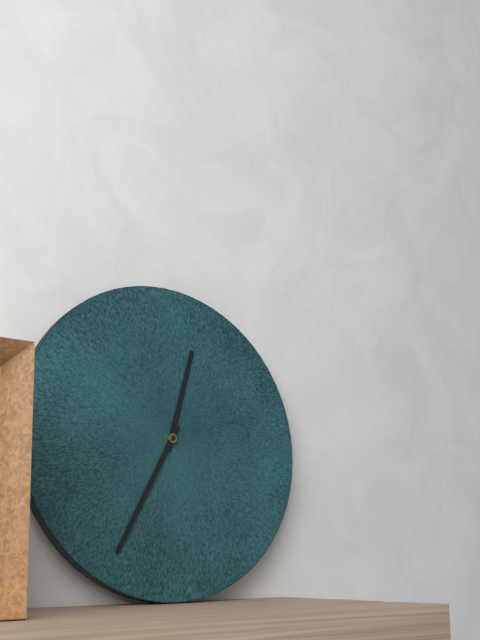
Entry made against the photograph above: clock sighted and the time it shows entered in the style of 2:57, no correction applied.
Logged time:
12:35
